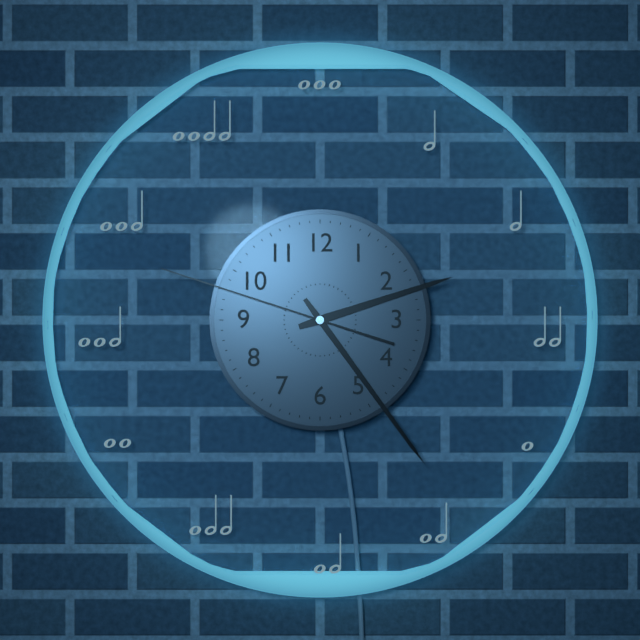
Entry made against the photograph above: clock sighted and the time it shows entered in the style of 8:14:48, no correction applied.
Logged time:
2:24:48
